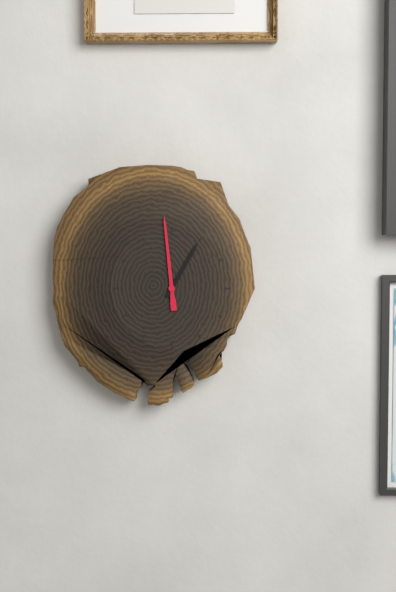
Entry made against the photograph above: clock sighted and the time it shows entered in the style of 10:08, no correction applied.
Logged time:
12:59
